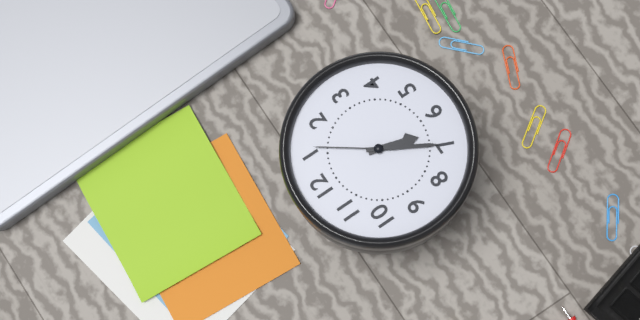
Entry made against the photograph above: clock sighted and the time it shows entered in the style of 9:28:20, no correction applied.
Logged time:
6:35:06
